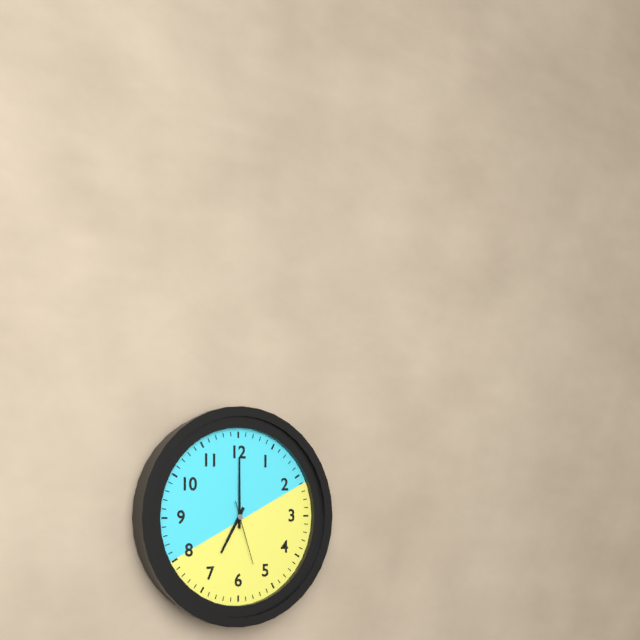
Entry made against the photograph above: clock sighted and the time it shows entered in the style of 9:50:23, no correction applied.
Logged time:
7:00:27
